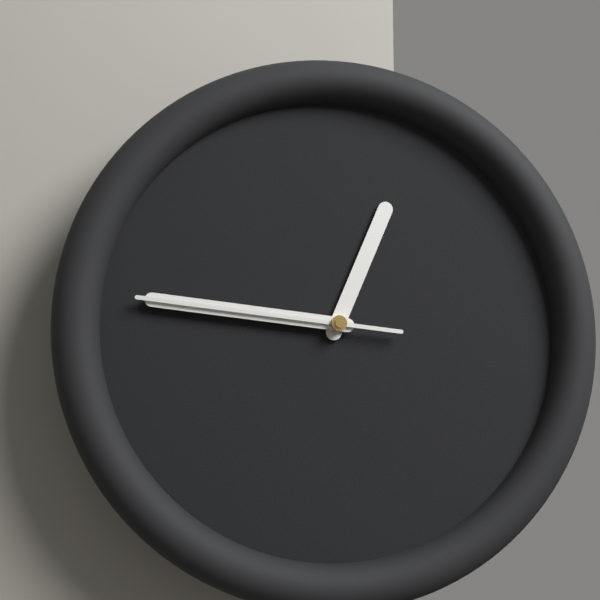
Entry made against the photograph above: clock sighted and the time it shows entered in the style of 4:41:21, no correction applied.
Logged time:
12:46:46
